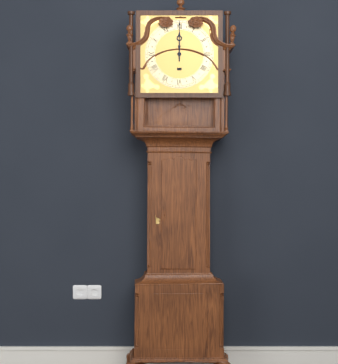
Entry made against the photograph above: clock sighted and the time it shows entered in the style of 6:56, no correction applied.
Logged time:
12:00
